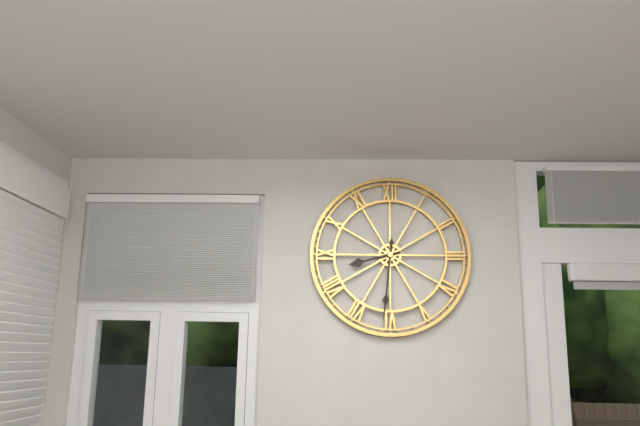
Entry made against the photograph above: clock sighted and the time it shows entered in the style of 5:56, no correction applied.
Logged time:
8:31
